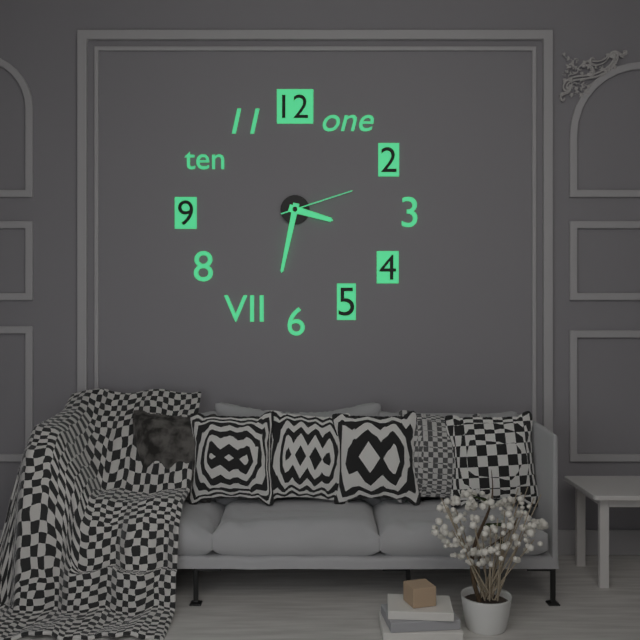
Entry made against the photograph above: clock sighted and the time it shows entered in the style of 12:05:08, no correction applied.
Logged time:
3:32:12
